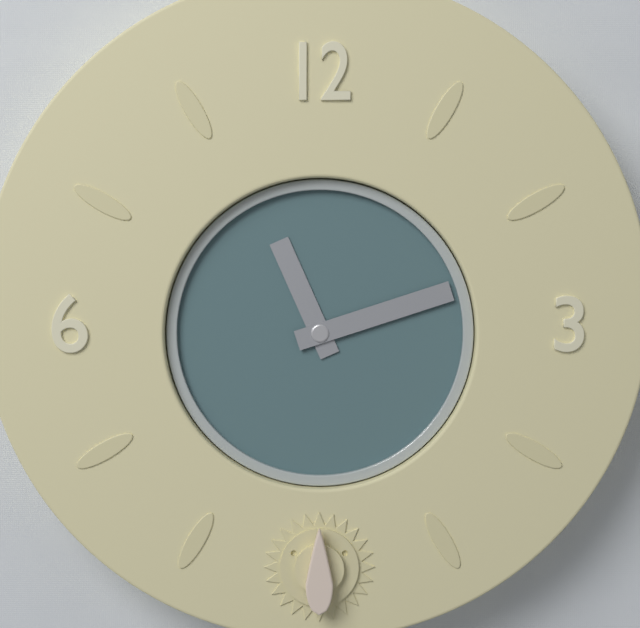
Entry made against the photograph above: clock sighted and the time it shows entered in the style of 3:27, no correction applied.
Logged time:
11:12
